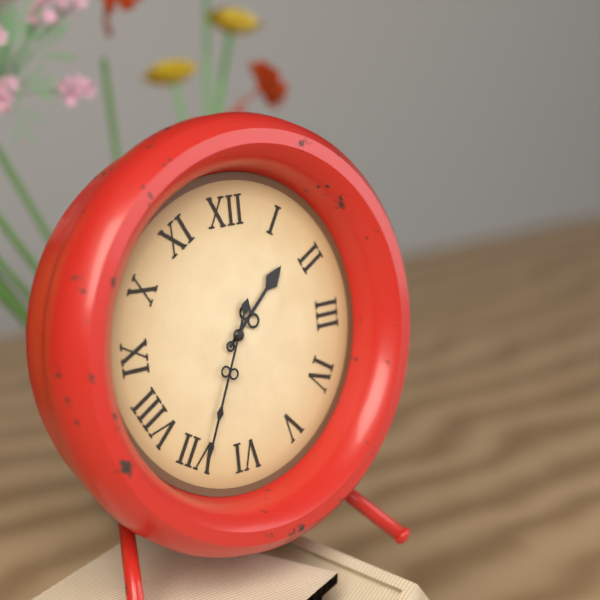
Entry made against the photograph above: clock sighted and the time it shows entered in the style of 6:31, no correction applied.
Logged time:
1:34
